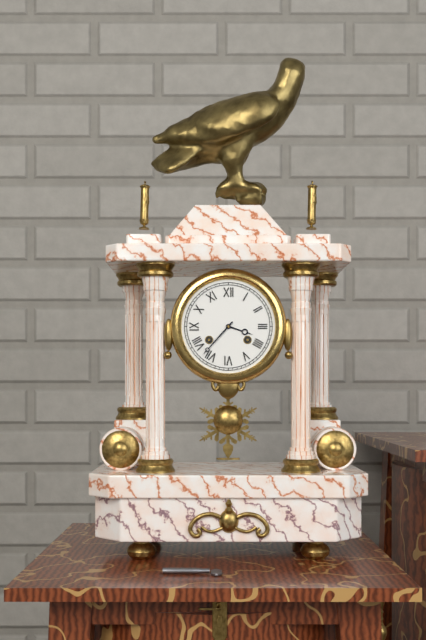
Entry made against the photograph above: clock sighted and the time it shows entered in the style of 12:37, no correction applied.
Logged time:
3:37
